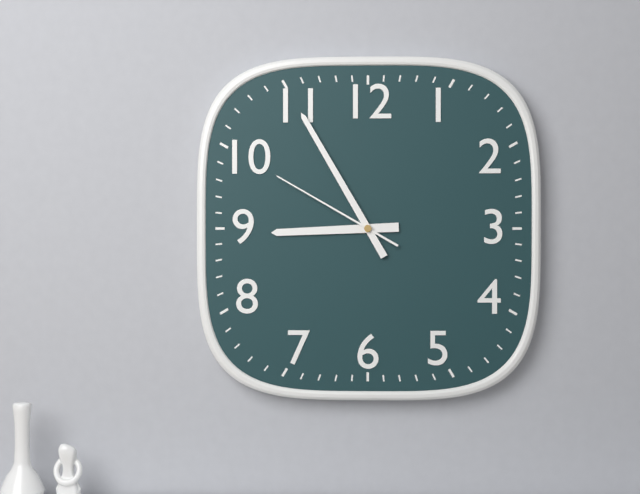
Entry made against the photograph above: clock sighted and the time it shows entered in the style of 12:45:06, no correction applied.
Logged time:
8:55:50
